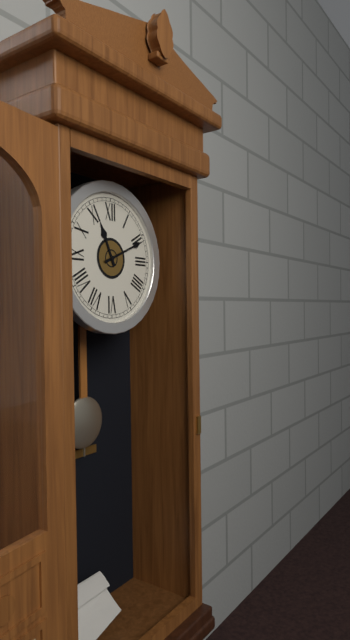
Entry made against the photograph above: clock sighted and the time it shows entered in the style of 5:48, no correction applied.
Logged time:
11:11
